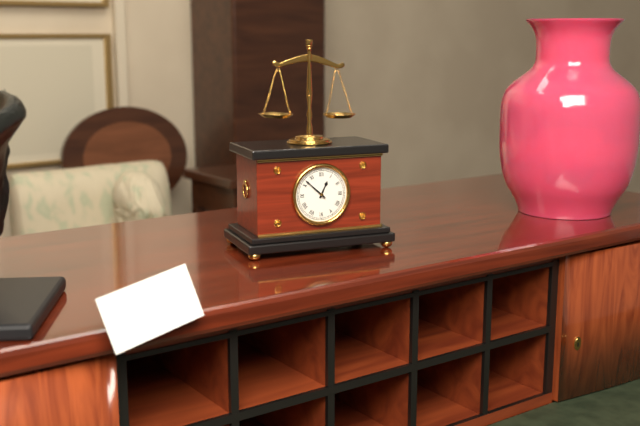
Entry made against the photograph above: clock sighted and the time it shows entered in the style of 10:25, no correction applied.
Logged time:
12:52
